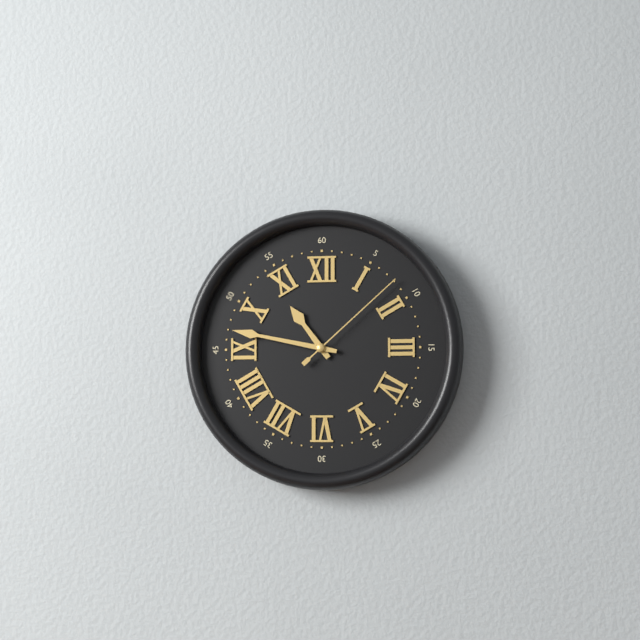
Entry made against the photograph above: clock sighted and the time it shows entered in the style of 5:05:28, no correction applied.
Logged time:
10:47:08
